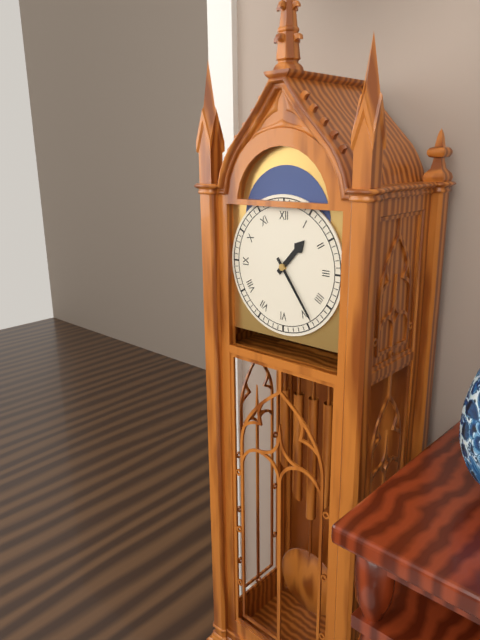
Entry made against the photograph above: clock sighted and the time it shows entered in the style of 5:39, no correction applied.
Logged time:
1:24
